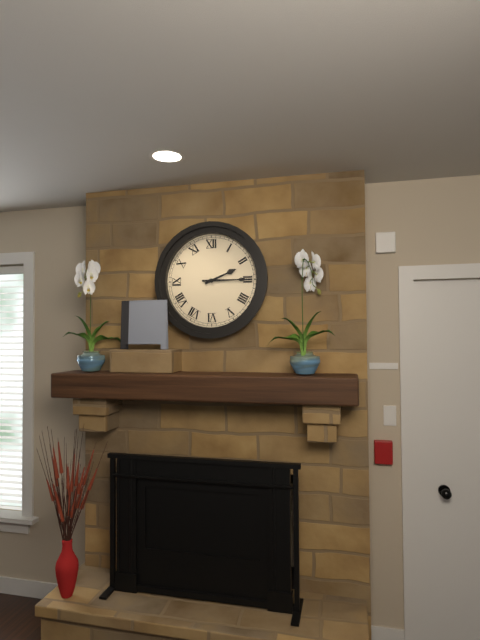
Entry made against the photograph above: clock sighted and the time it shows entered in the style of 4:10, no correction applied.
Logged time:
2:15
